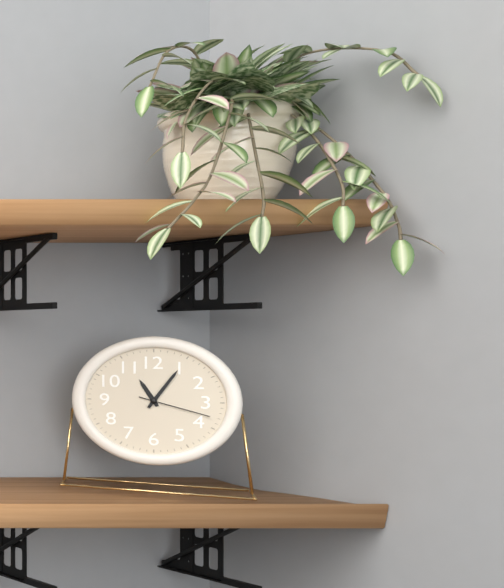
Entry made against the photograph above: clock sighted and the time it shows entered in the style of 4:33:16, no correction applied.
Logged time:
11:05:18
